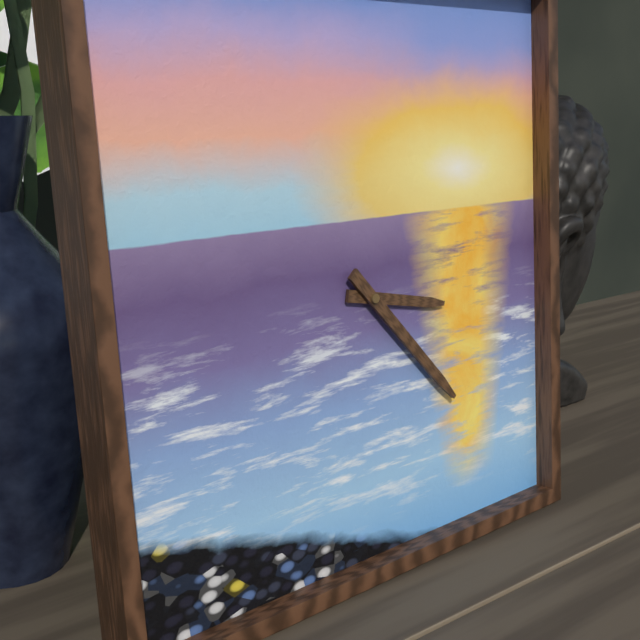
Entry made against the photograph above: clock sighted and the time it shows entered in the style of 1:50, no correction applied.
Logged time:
3:23
